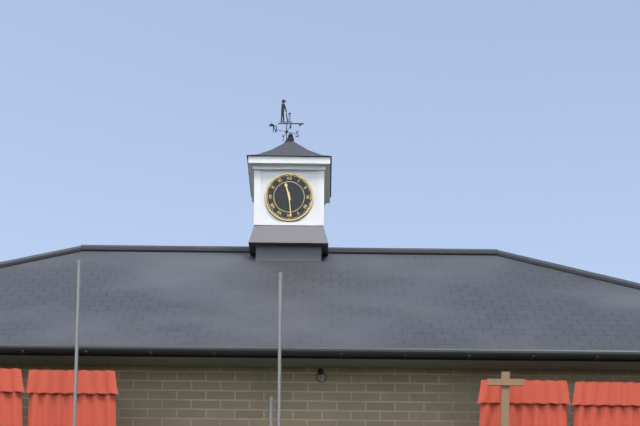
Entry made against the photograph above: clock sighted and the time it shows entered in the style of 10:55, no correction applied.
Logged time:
11:29
